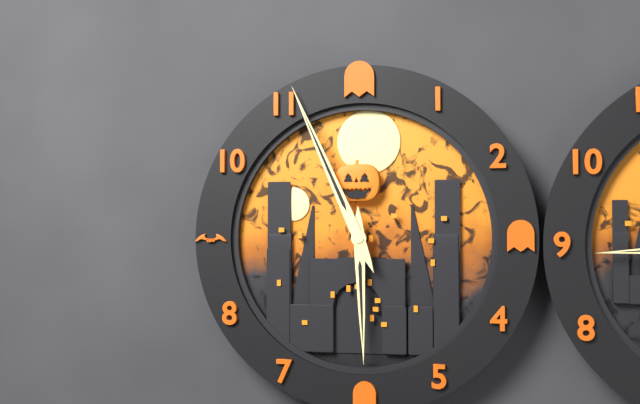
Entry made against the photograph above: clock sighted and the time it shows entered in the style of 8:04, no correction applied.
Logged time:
5:56
